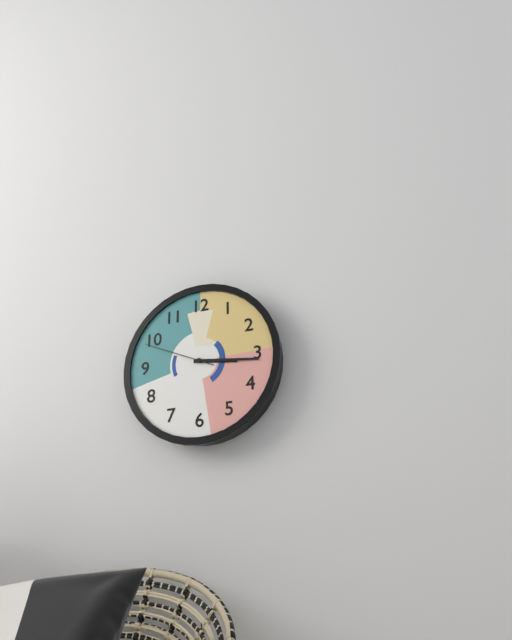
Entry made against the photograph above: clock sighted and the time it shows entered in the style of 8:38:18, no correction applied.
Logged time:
3:16:49
